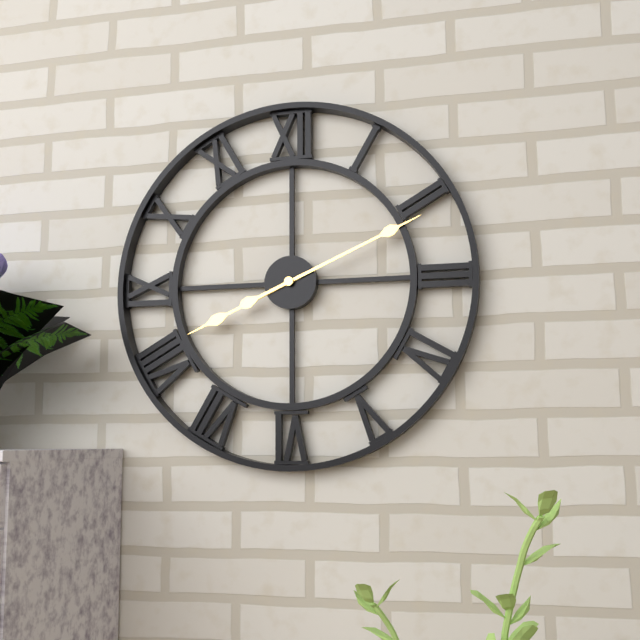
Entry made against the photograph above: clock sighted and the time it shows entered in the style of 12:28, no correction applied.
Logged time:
8:11
